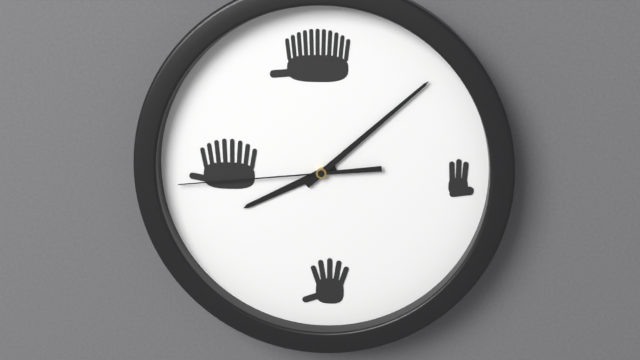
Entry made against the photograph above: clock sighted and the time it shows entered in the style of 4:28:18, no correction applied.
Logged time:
8:08:44
